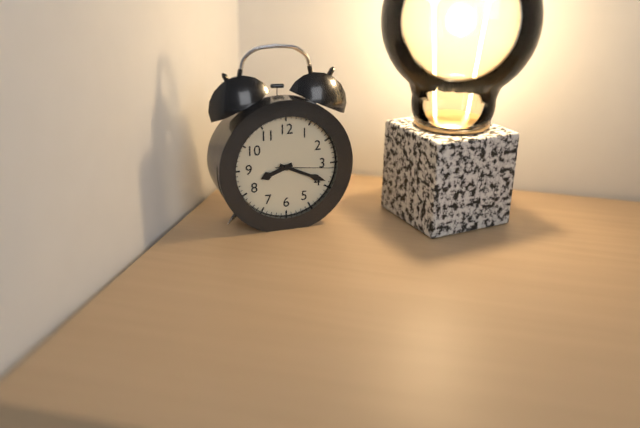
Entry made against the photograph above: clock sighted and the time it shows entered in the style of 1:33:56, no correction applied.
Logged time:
8:19:16
